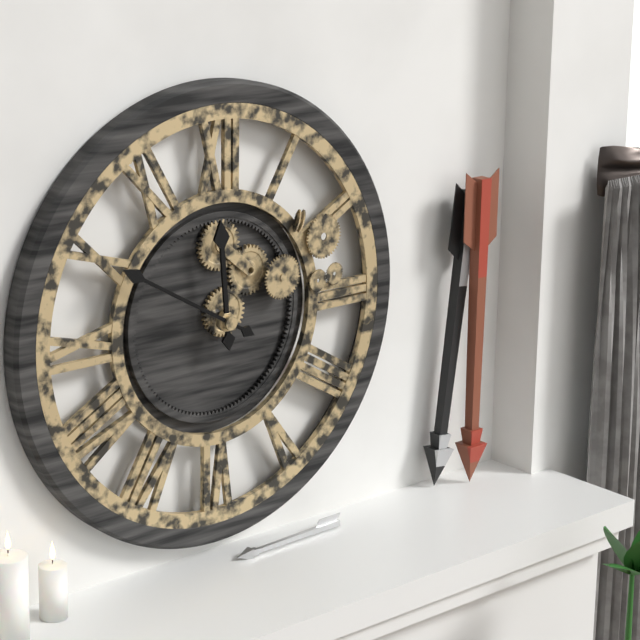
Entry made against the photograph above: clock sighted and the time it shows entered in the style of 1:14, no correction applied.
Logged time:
11:50
